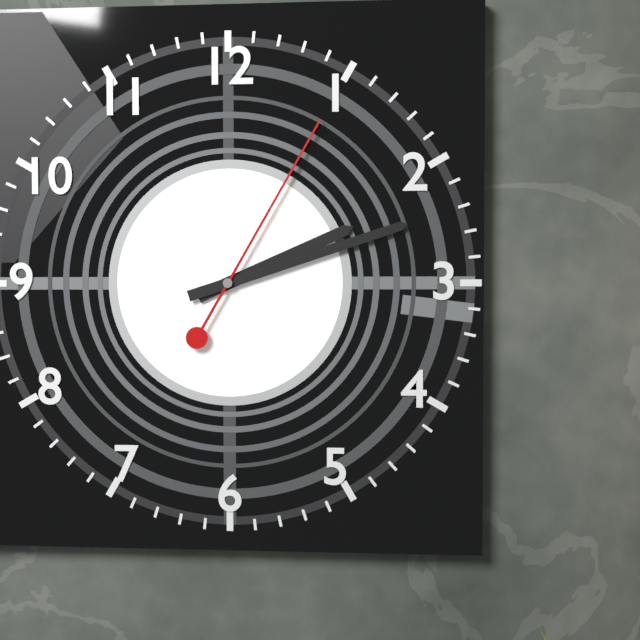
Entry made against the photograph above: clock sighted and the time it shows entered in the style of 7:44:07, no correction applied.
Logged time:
2:12:05
